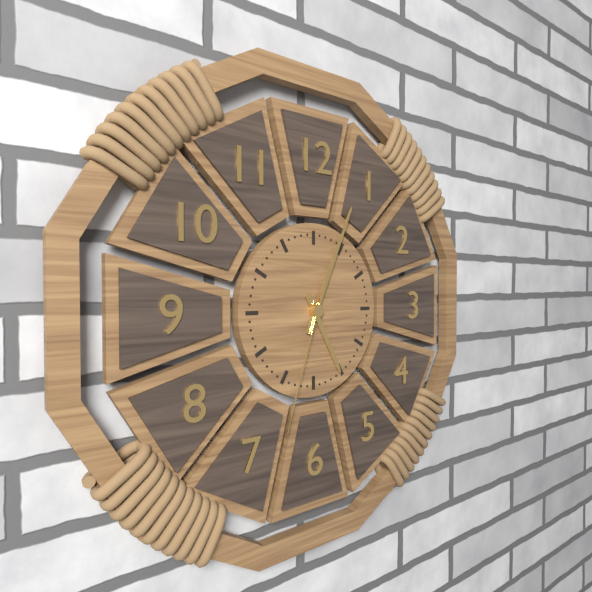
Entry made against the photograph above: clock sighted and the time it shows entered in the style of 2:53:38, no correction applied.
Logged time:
5:04:33
